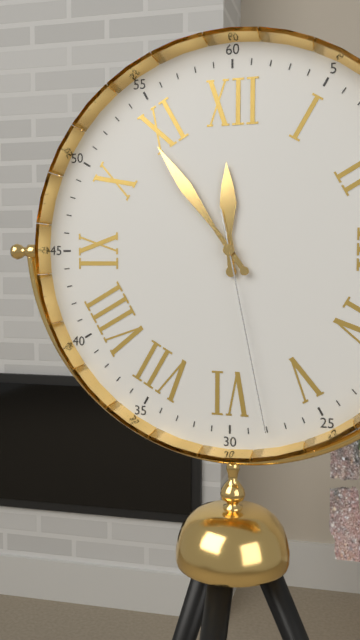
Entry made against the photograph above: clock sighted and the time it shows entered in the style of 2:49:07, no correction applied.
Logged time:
11:54:28
